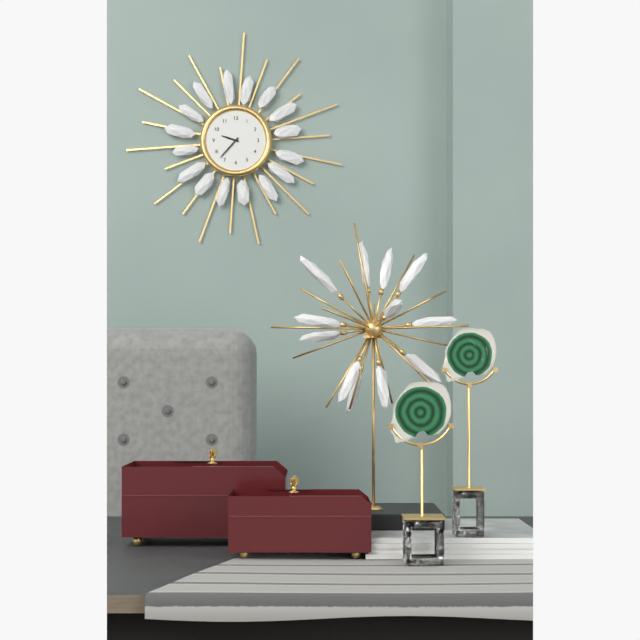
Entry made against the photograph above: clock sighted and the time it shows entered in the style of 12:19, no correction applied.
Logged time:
9:37
